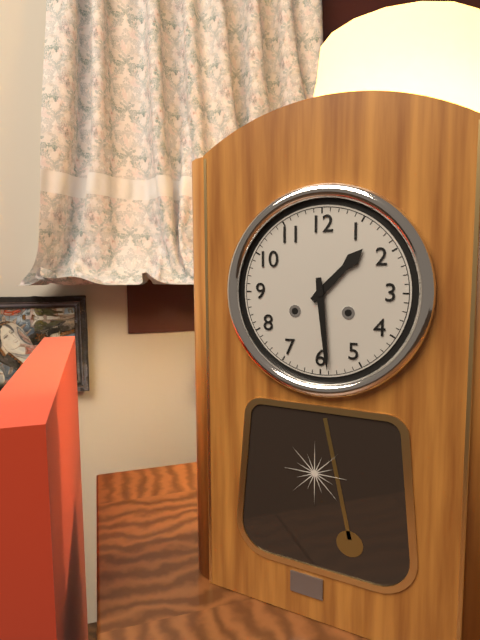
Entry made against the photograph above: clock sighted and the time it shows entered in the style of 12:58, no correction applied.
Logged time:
1:29
